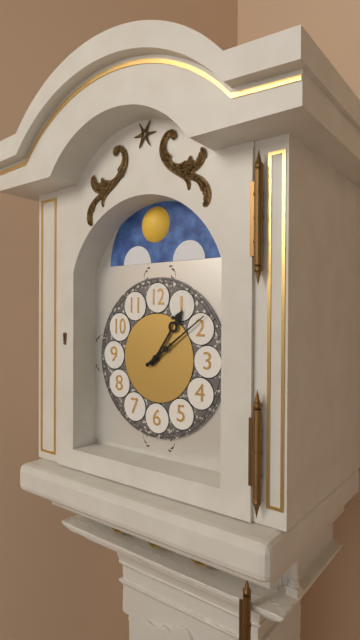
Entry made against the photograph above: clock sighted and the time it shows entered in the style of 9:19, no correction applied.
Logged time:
1:09
